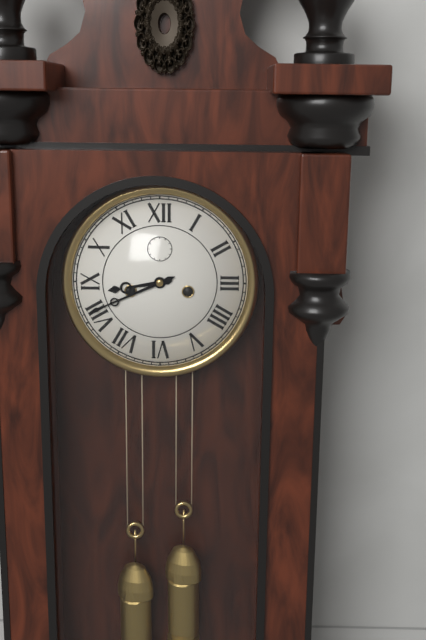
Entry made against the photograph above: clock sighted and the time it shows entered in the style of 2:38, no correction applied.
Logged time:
8:41
